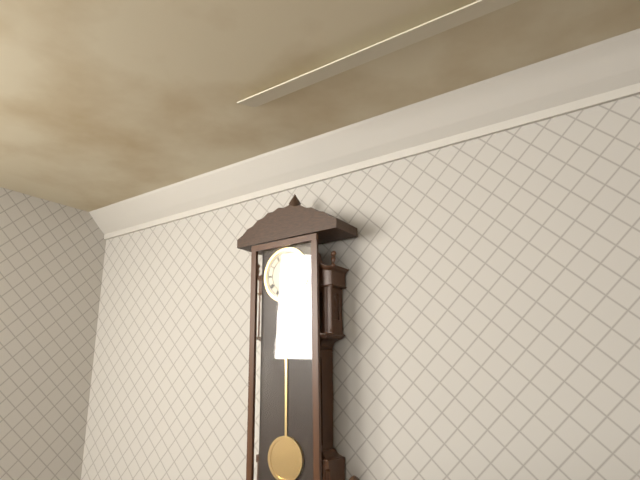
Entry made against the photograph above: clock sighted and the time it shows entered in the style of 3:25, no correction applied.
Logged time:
3:10
